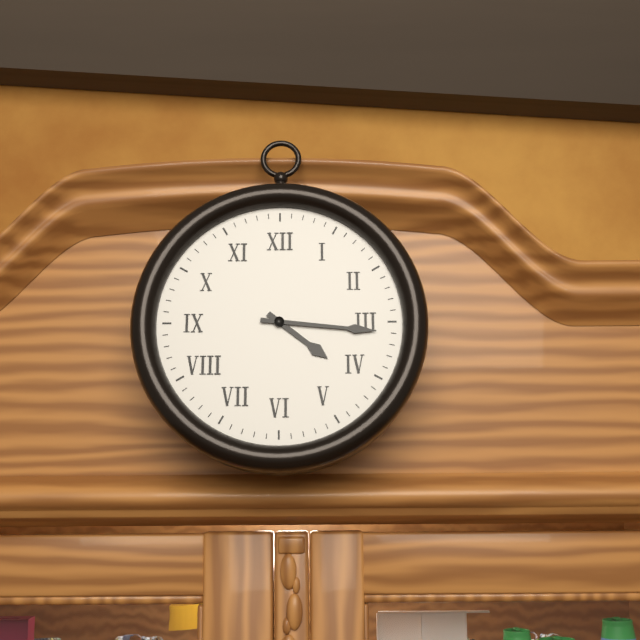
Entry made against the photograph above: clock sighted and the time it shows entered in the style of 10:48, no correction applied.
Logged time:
4:16
